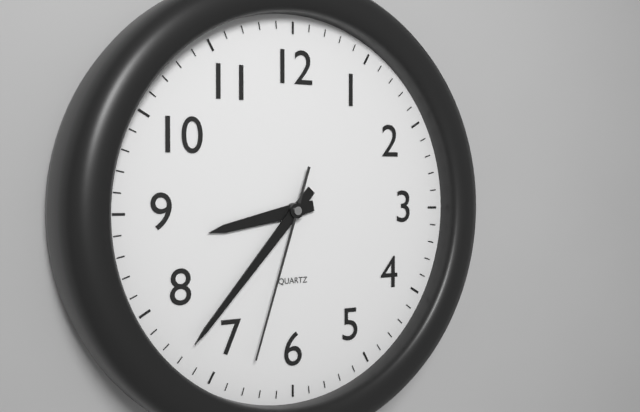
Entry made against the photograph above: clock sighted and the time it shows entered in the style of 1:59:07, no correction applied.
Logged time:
8:37:33
